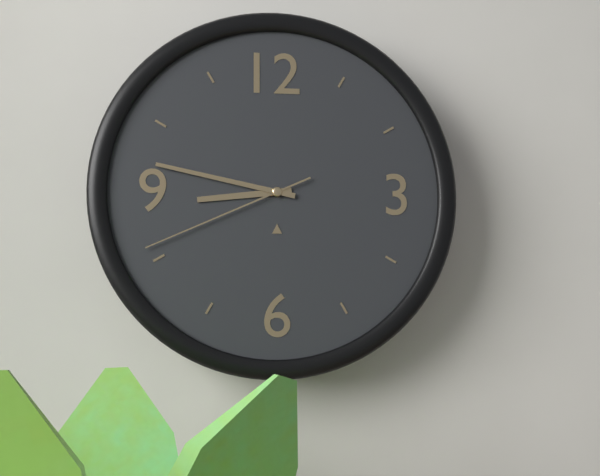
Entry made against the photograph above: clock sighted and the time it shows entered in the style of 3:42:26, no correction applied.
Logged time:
8:47:41
